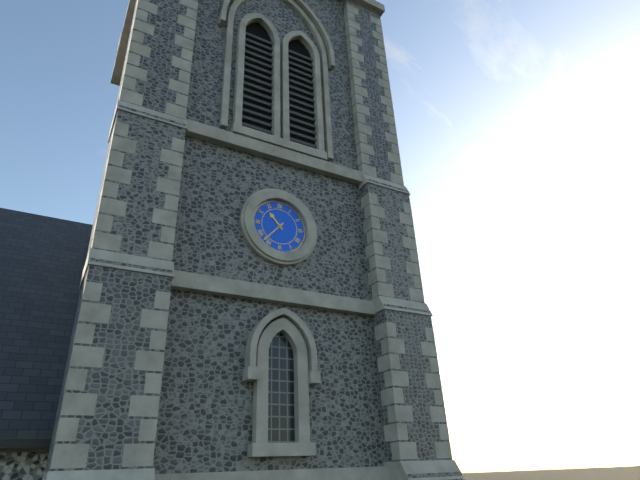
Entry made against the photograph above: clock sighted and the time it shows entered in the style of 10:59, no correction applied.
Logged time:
10:37
